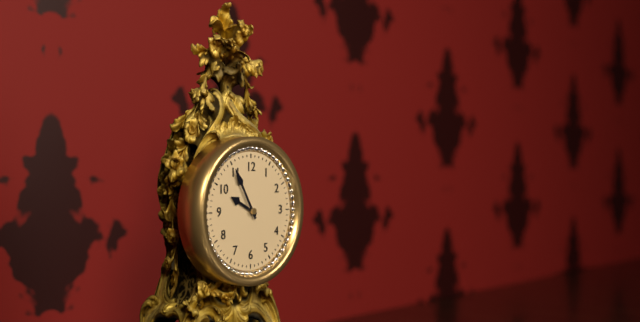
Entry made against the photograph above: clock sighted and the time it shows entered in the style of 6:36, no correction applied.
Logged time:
9:55
